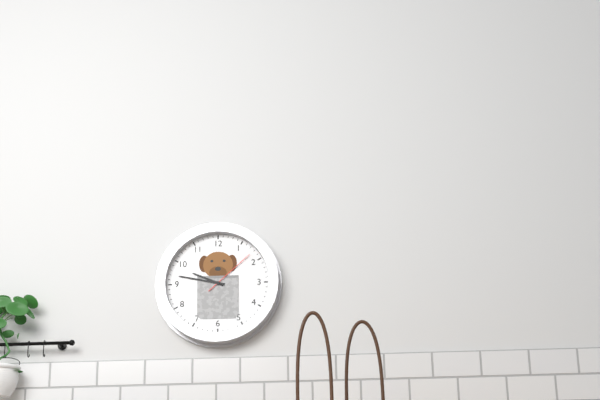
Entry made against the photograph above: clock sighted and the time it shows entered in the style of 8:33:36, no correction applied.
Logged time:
9:47:08
